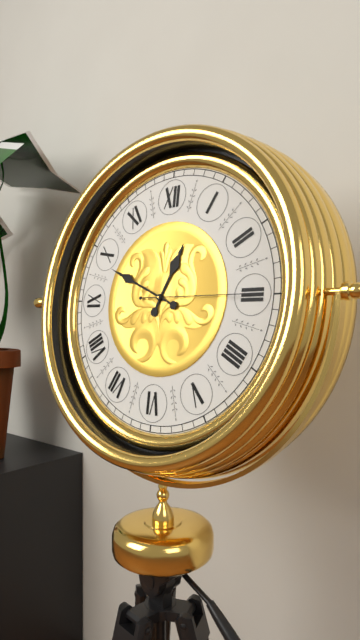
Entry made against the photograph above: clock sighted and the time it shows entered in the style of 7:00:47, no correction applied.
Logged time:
12:49:15
